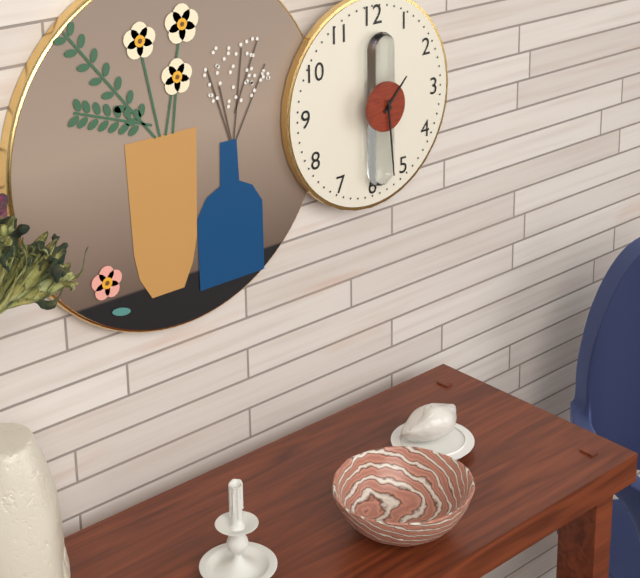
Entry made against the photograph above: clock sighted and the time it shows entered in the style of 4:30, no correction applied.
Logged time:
1:29
